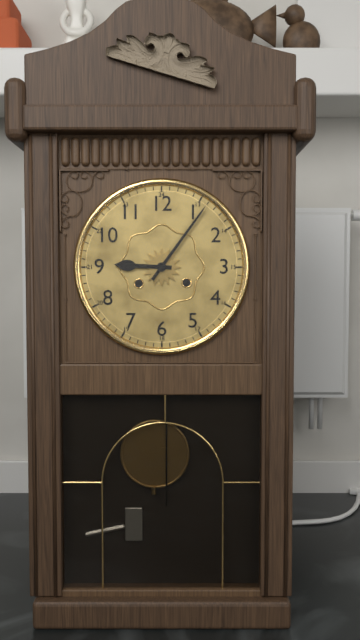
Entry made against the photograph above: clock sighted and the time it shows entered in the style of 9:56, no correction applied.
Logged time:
9:06
